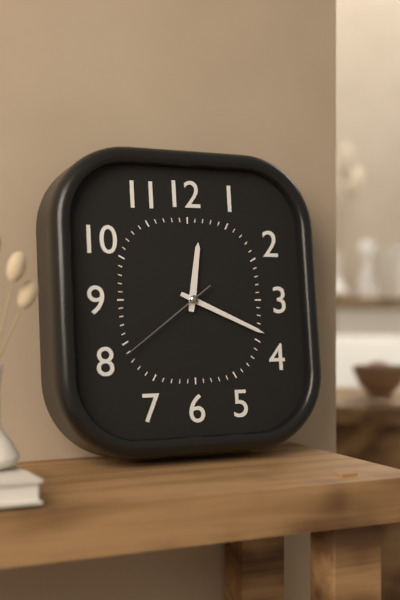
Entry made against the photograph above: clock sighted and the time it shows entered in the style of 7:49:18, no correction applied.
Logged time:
12:19:39
